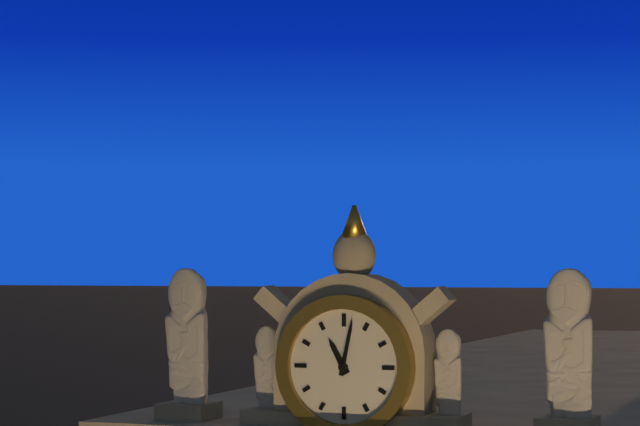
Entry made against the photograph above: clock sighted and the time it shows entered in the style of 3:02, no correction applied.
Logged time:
11:02
